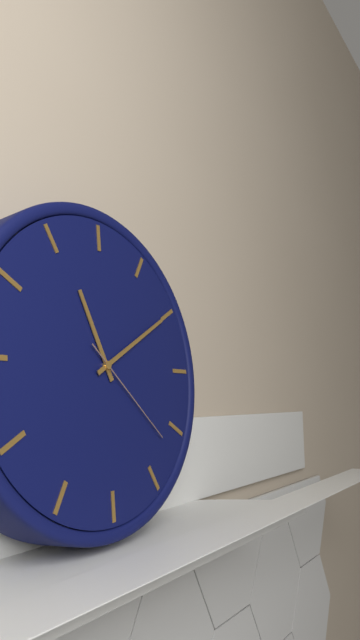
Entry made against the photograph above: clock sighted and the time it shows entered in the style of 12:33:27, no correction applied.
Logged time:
11:10:22
